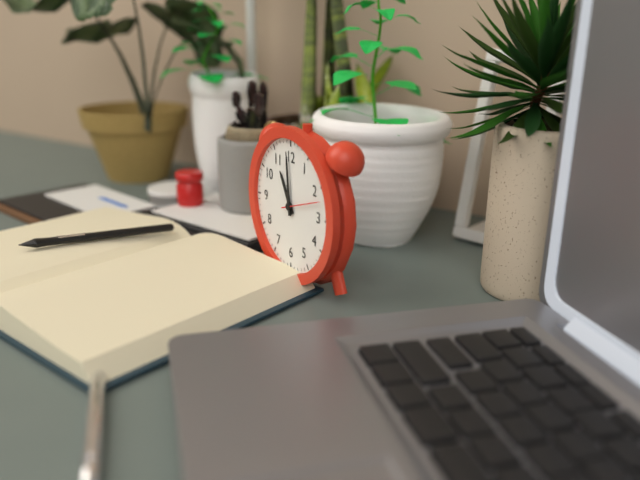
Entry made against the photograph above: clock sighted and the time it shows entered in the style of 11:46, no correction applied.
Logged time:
10:59
